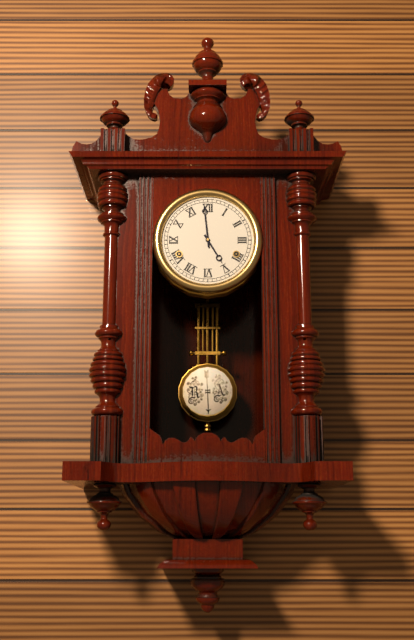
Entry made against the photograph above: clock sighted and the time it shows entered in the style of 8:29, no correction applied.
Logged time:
4:59
